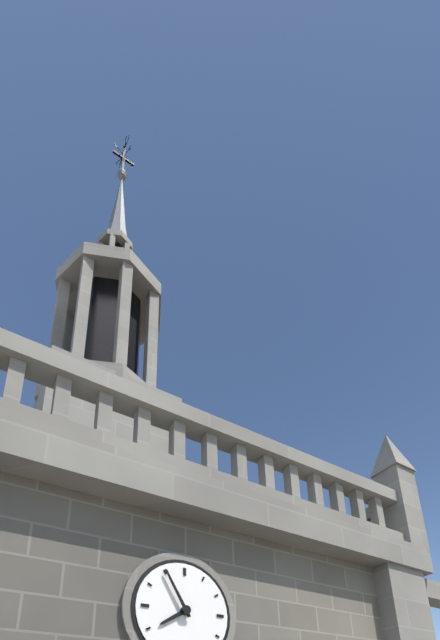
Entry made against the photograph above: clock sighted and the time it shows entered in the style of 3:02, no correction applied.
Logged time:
7:55
